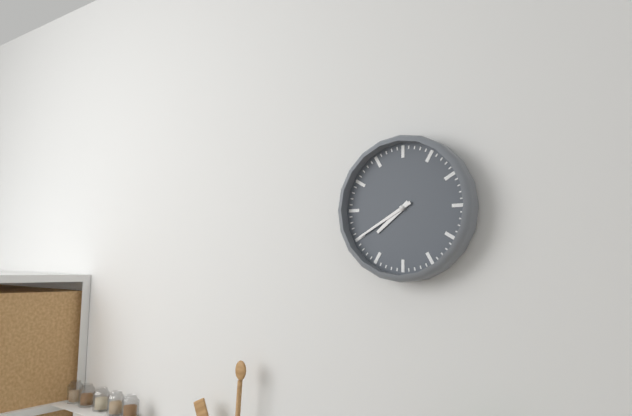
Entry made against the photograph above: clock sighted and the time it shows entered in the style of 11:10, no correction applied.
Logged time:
7:40
